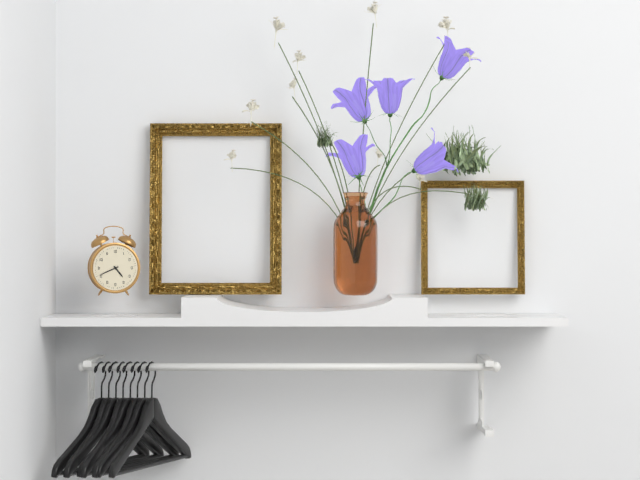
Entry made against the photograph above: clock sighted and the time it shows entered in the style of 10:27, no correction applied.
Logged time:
4:41
